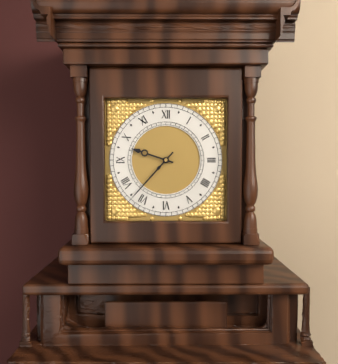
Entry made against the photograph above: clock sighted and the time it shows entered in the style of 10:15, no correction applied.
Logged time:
9:37
